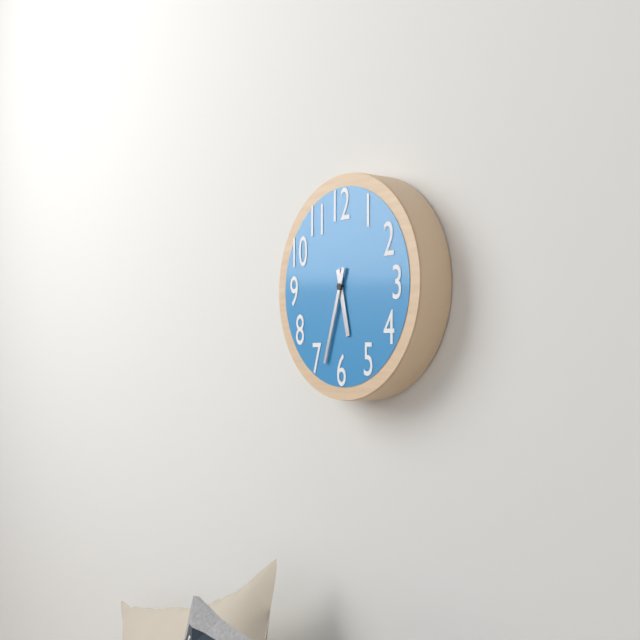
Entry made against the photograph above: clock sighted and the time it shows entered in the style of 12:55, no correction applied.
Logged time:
5:33
